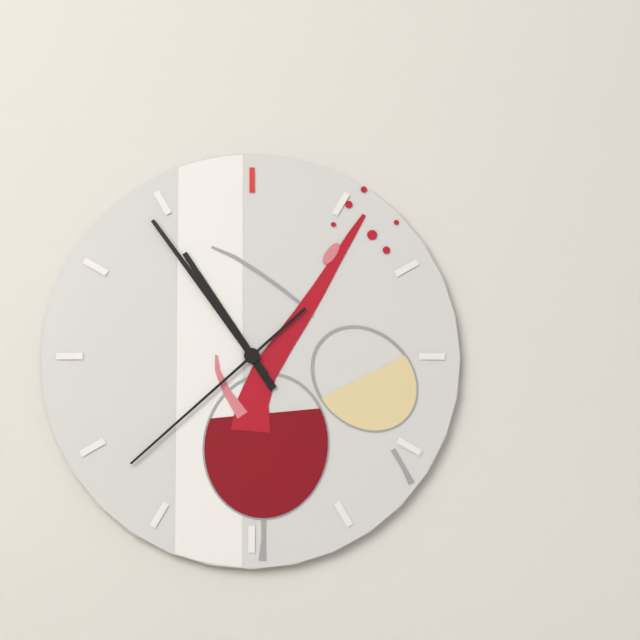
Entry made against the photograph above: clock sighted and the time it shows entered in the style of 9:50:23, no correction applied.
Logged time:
10:54:38
